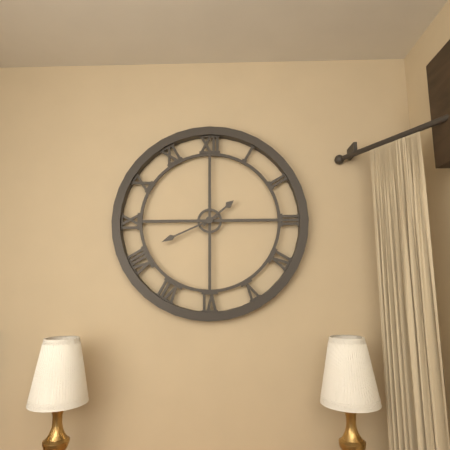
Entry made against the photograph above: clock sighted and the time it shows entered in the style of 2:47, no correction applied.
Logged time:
1:41
